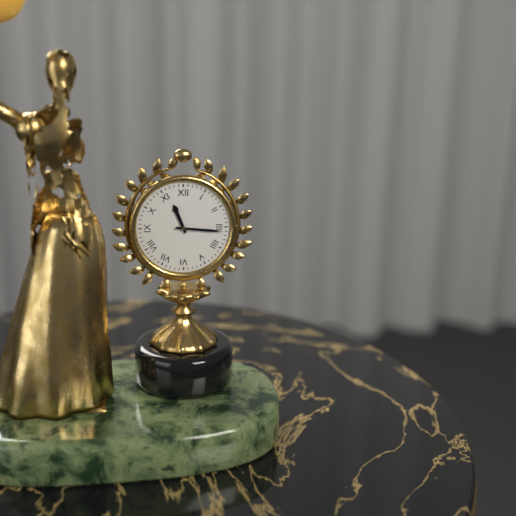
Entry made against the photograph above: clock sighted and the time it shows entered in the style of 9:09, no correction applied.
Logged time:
11:16
